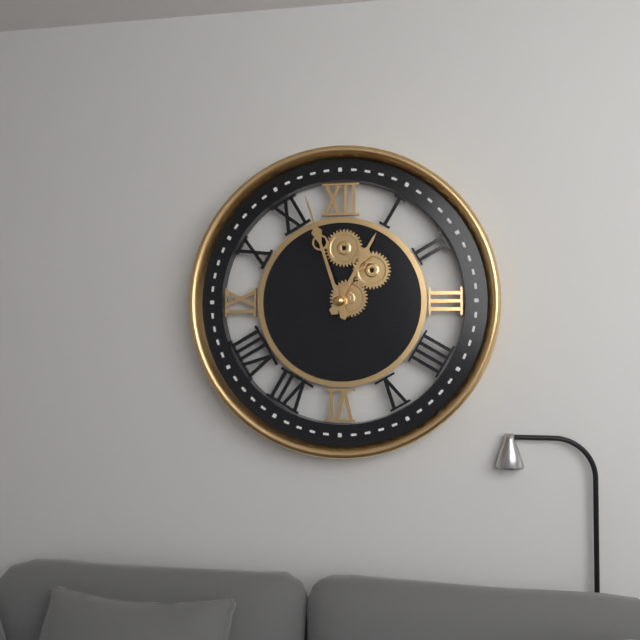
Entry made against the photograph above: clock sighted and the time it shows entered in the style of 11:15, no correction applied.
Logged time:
12:57
